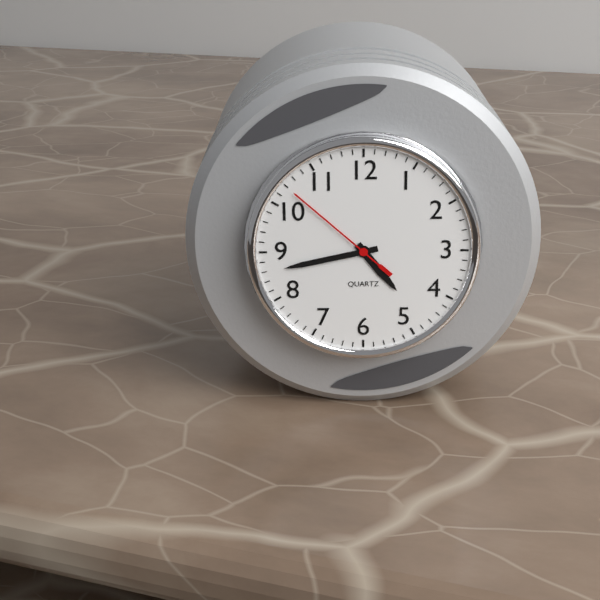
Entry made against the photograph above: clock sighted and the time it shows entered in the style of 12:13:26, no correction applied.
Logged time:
4:43:52
